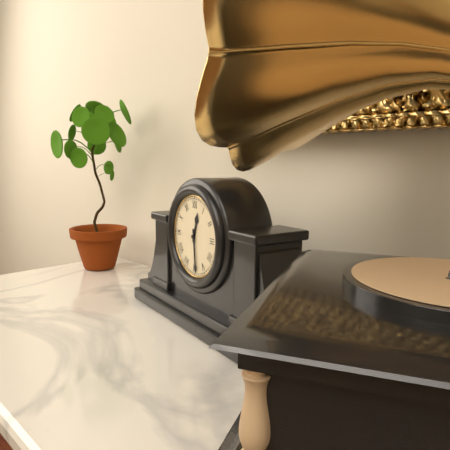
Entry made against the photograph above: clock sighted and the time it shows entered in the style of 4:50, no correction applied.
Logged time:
12:29
